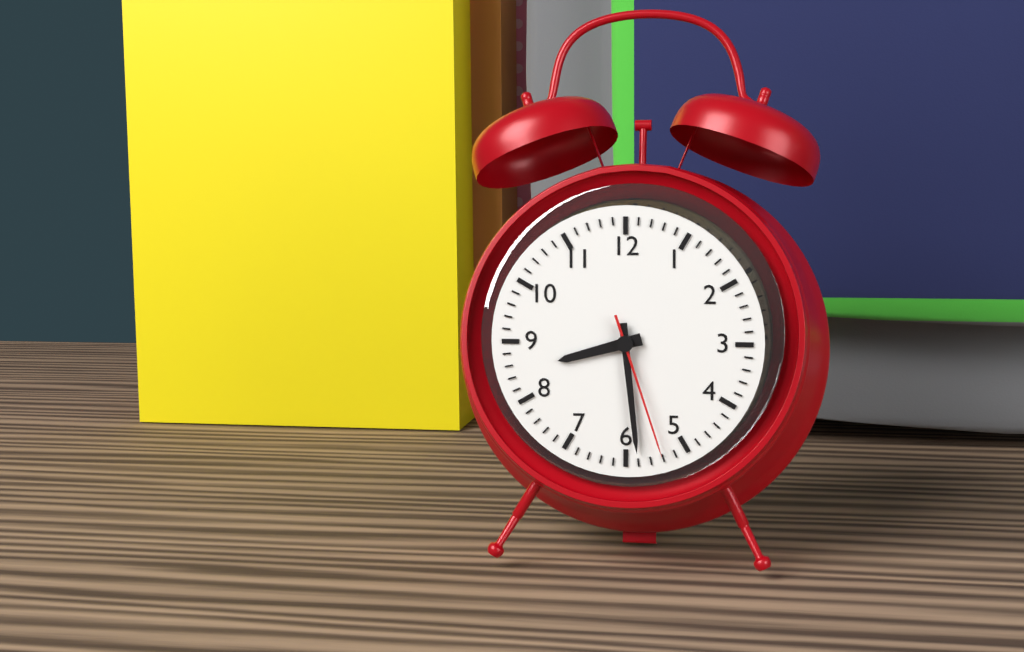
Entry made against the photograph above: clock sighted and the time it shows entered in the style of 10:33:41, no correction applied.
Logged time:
8:29:27
